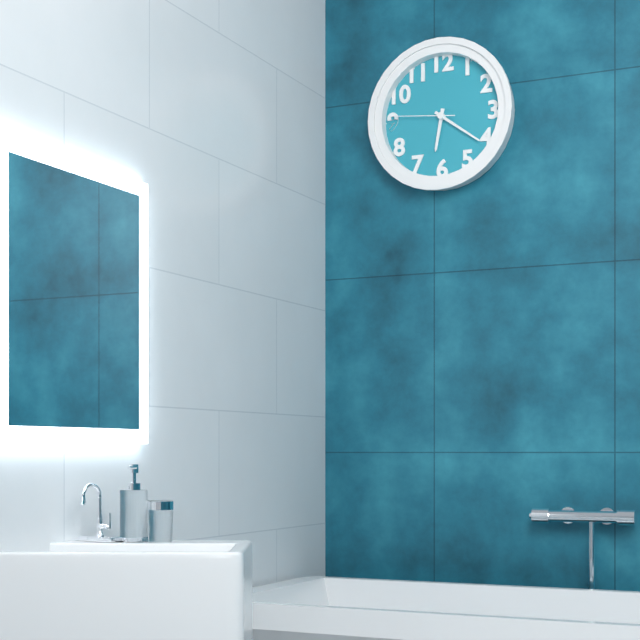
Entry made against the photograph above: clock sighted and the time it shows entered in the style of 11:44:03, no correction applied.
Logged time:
6:21:46
